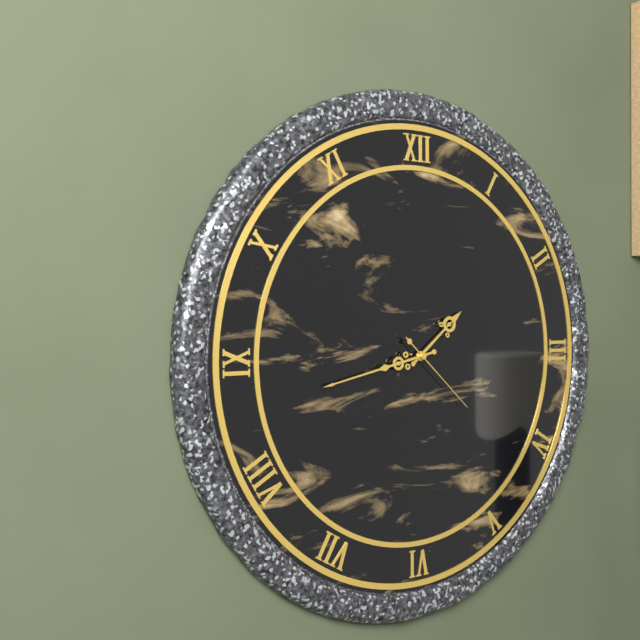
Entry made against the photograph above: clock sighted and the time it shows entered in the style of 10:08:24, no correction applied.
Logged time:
1:43:22
